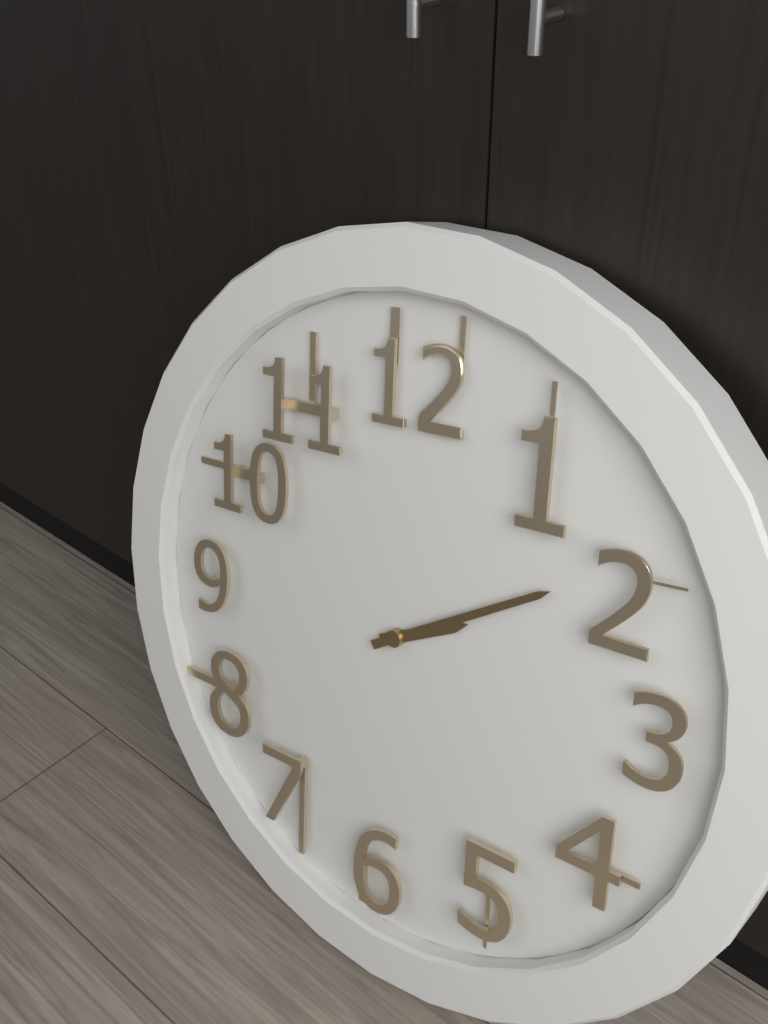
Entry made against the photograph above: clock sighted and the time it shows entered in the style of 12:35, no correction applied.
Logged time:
2:10
